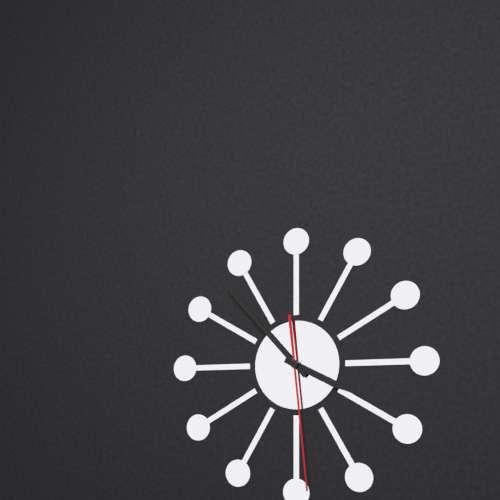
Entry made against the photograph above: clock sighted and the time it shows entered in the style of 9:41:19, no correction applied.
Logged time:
3:53:29
